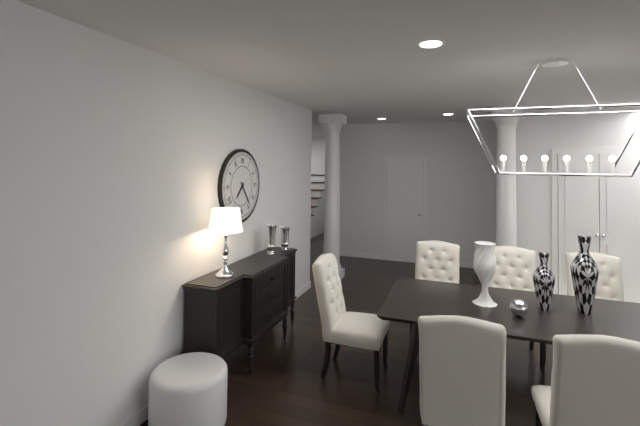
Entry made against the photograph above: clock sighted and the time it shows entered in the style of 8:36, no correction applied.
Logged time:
7:24
